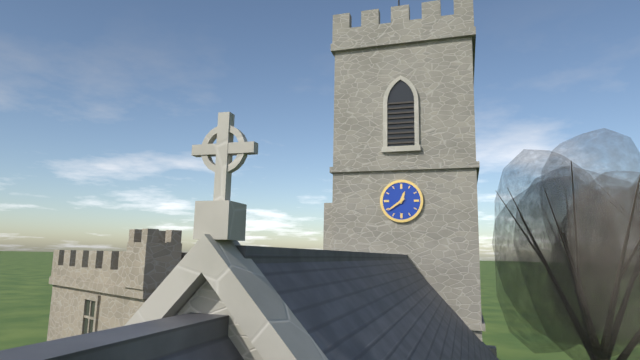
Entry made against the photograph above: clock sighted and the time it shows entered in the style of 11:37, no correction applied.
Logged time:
12:39
